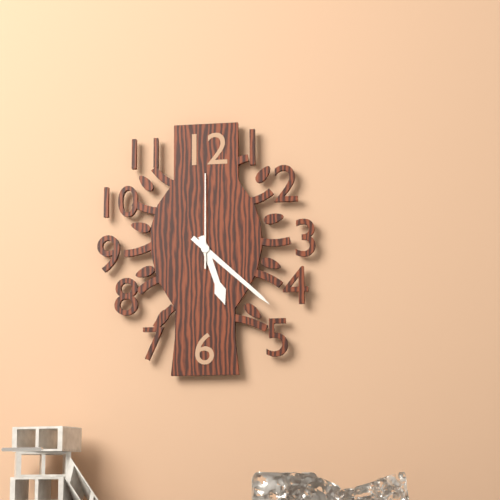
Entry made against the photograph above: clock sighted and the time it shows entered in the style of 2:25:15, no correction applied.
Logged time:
5:22:00
